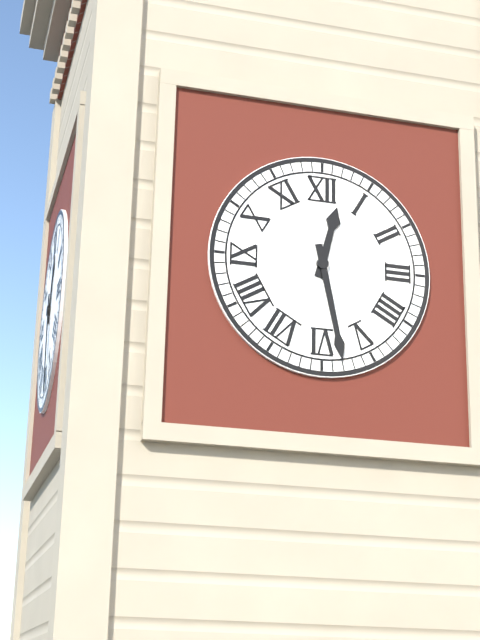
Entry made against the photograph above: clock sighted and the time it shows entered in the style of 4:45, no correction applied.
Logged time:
12:28
